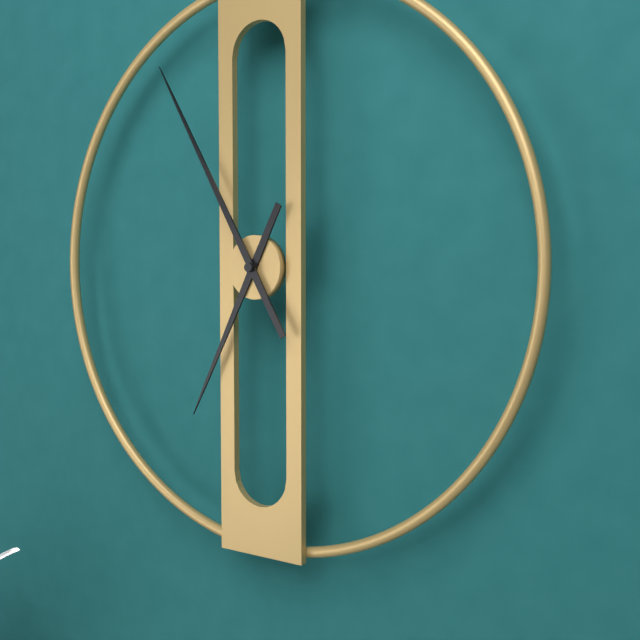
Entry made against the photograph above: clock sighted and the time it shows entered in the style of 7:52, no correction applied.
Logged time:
6:55
